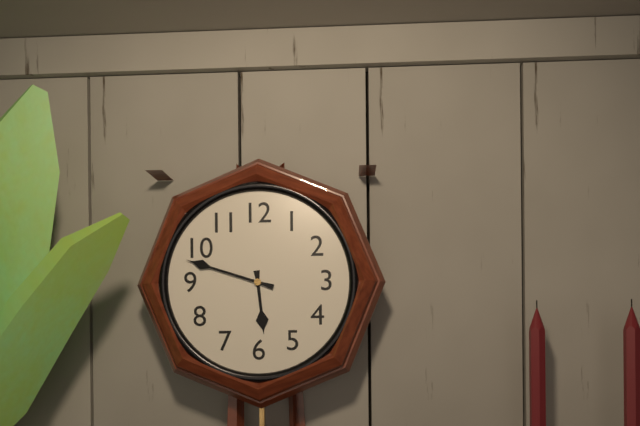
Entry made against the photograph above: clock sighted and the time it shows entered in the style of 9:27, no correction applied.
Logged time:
5:48
